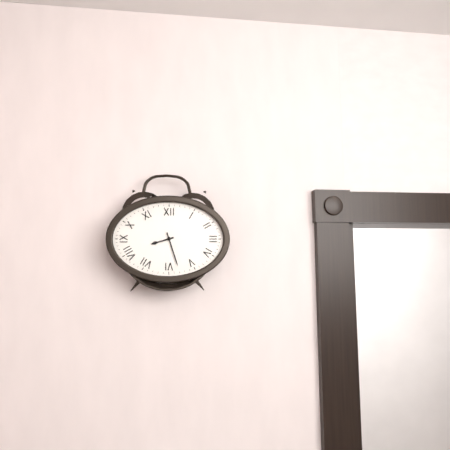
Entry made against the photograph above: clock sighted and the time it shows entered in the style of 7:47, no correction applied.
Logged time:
8:27
